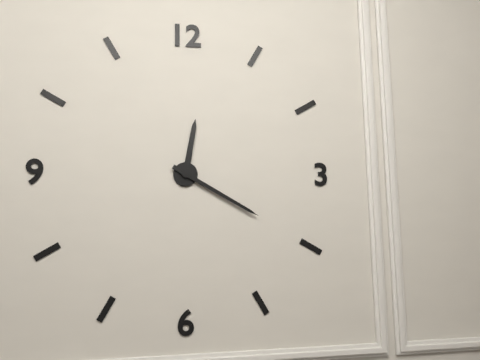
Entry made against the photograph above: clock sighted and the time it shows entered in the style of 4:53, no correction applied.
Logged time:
12:20
